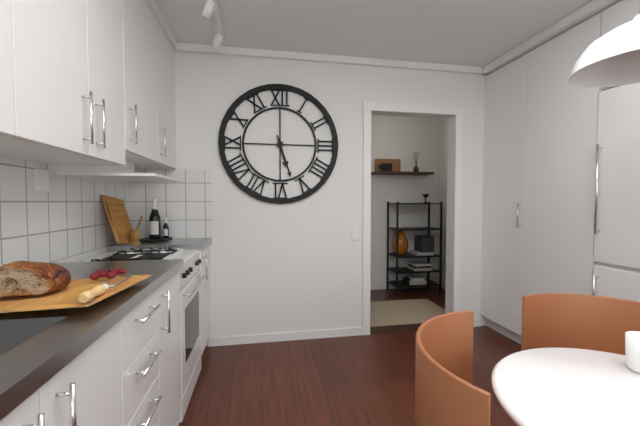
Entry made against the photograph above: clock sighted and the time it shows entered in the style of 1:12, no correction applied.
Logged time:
5:27
